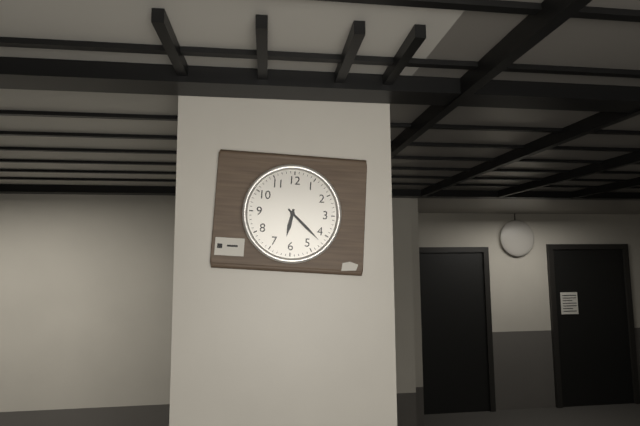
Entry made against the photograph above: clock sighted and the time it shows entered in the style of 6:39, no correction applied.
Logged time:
6:22
